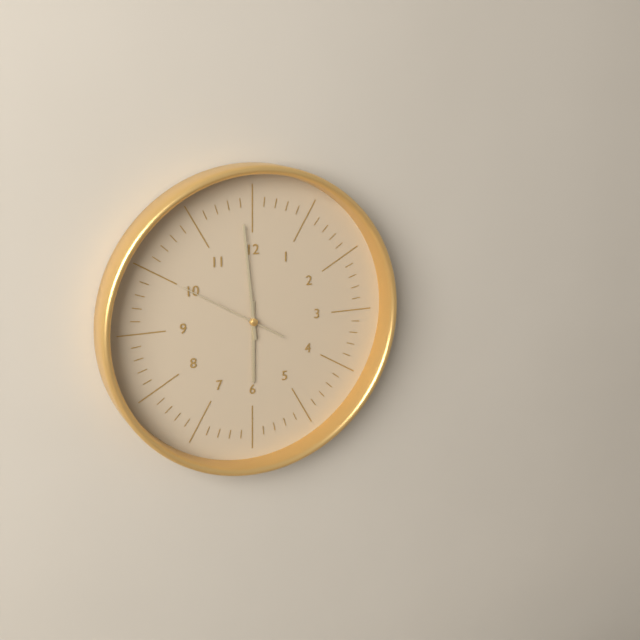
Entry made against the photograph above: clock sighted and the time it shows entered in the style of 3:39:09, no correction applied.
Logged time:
5:59:50
